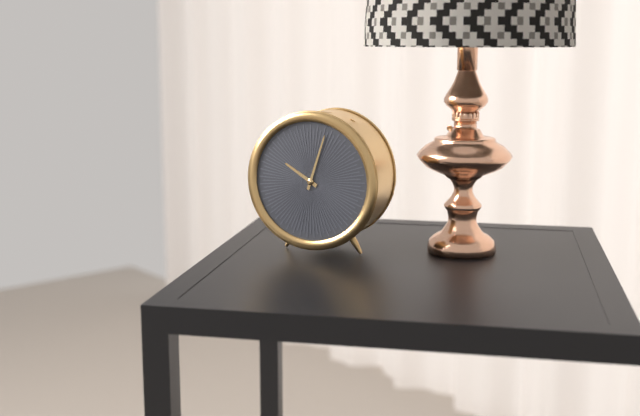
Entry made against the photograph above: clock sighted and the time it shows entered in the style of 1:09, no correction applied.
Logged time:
10:03
